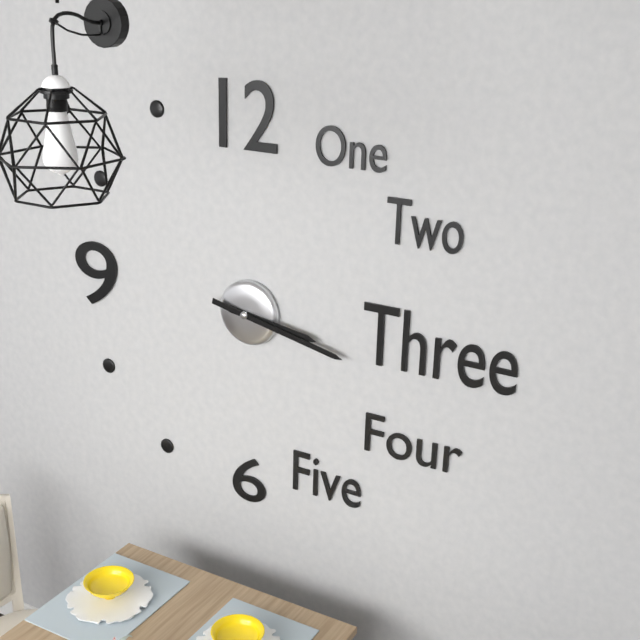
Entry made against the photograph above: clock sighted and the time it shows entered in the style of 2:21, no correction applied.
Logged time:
3:17
